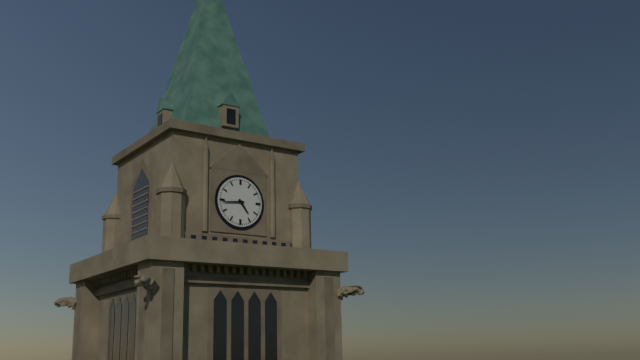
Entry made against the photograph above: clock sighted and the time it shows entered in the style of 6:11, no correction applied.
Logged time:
4:44
